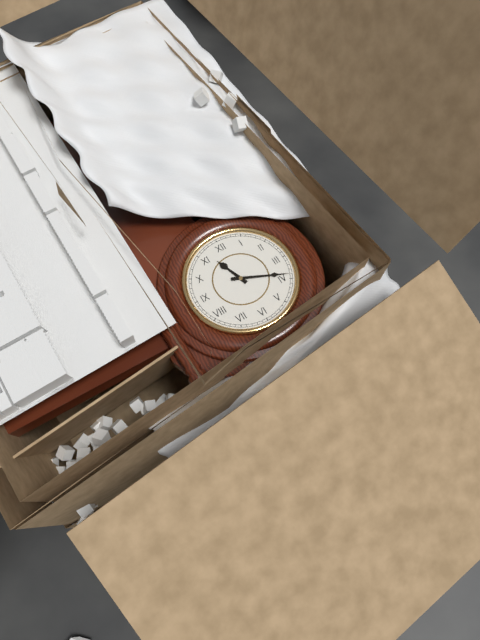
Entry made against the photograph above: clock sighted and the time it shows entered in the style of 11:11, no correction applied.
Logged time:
11:19
